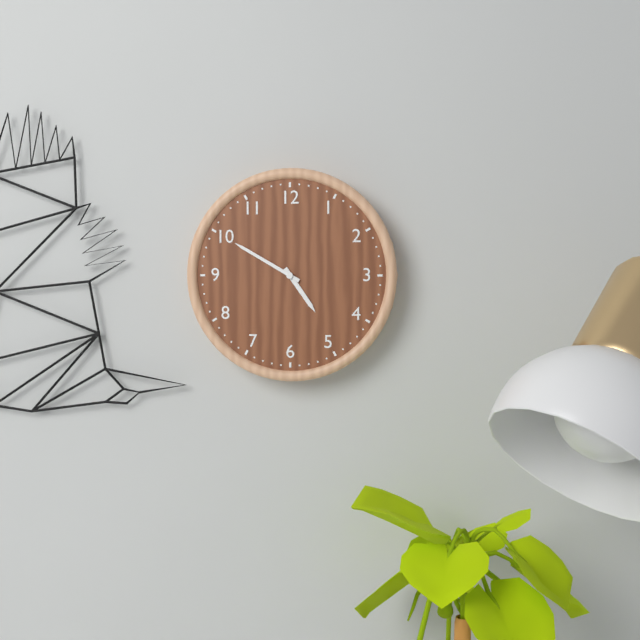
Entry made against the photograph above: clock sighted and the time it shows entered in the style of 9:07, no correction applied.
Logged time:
4:50
